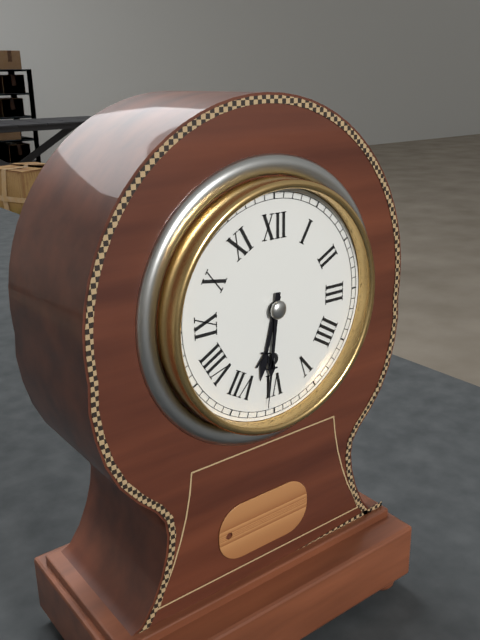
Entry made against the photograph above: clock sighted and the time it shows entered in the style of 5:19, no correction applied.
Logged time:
6:31
